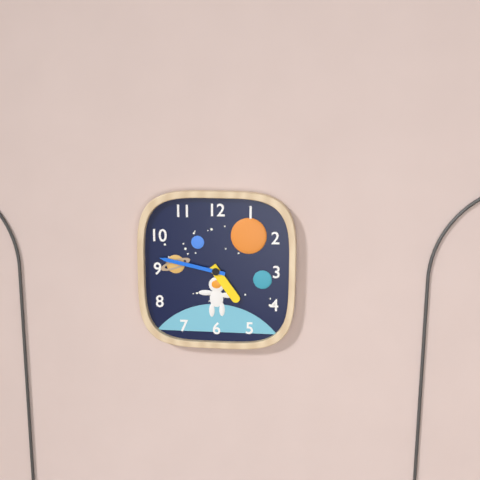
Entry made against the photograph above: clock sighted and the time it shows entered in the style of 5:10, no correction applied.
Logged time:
4:47
